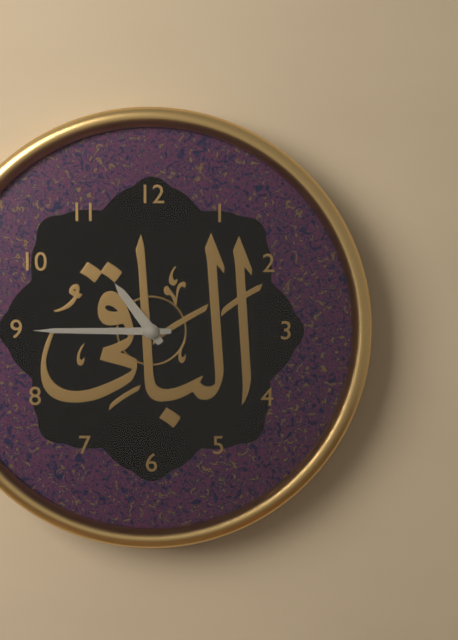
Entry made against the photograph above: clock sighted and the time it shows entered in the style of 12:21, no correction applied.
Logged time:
10:45
